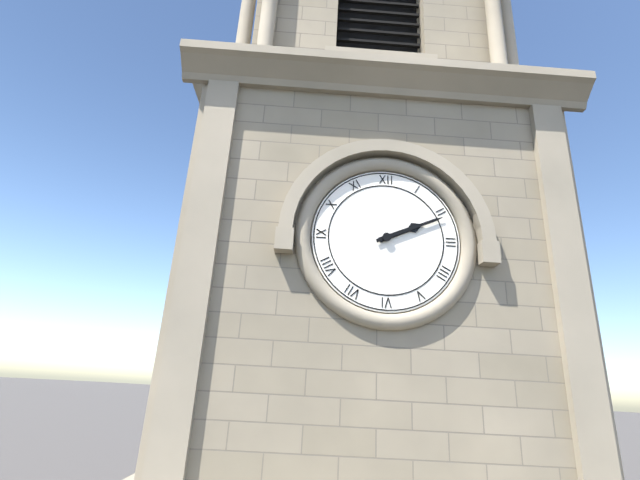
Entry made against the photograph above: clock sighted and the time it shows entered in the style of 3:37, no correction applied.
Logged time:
2:11
